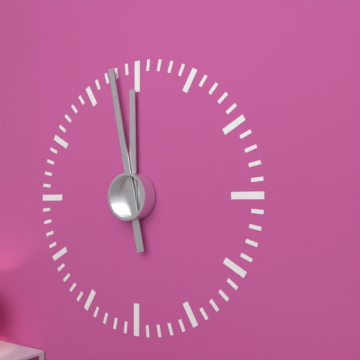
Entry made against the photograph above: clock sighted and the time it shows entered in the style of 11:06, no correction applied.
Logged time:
11:58
